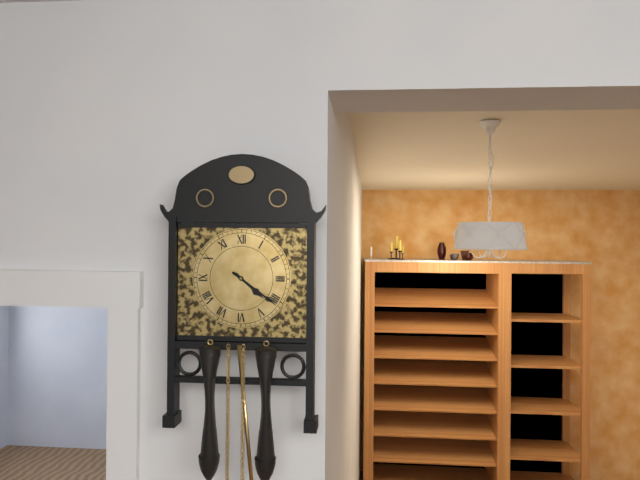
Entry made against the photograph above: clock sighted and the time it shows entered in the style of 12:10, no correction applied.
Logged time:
4:21
